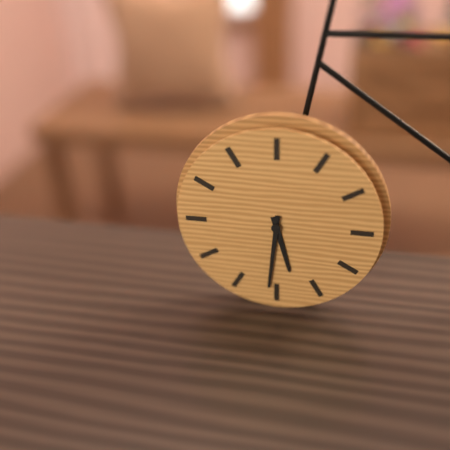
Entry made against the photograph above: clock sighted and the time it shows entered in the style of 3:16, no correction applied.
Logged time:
5:31
